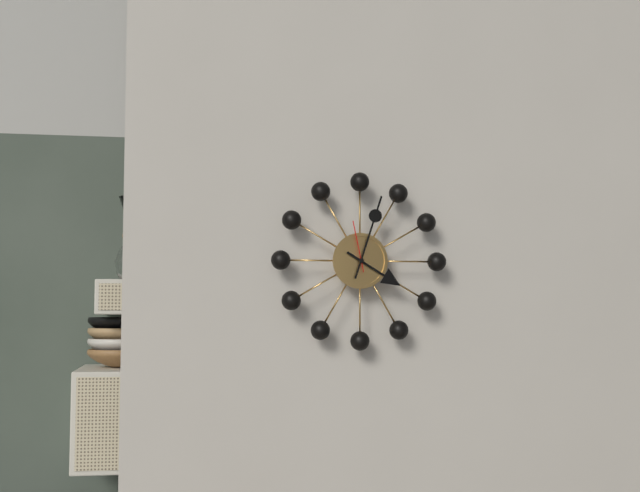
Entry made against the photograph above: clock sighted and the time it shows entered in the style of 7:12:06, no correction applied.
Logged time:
4:03:58
